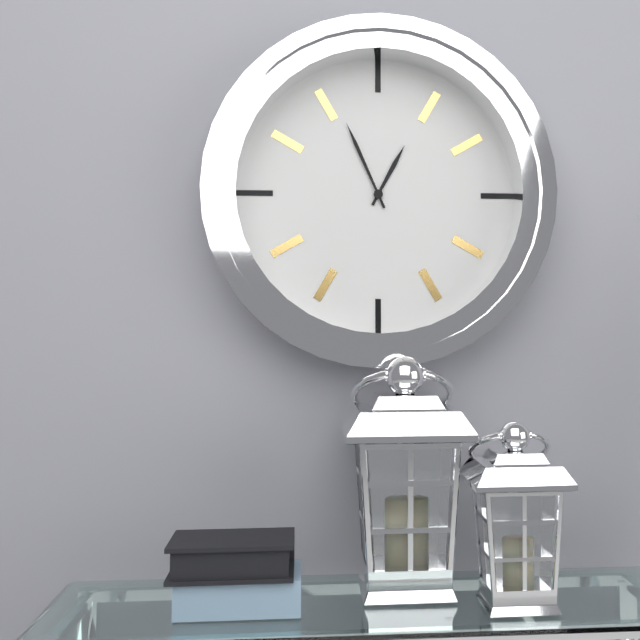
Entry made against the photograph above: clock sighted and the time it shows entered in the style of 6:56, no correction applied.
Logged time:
12:56
